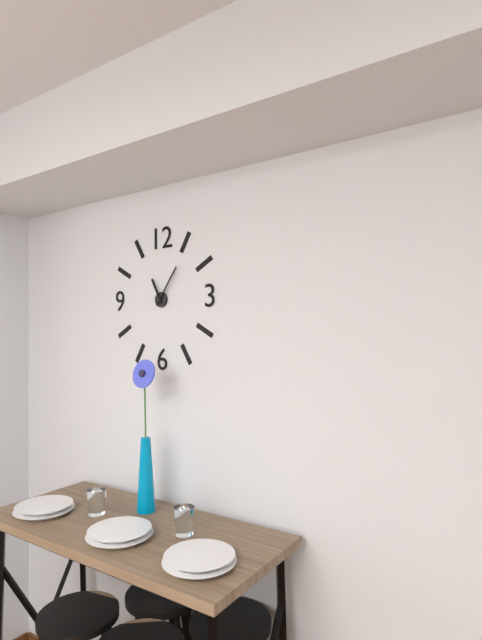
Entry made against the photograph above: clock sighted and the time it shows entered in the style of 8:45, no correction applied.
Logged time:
11:06
